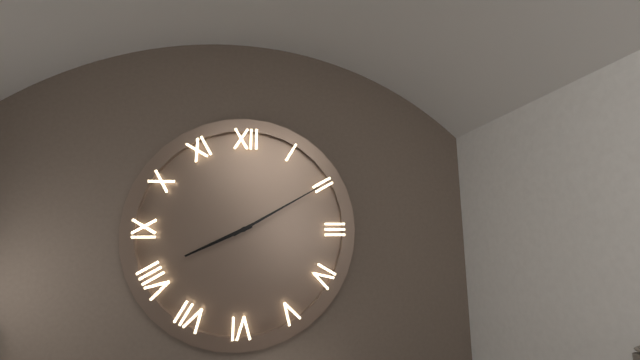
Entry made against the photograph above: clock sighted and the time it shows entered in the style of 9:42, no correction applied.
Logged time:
8:10
